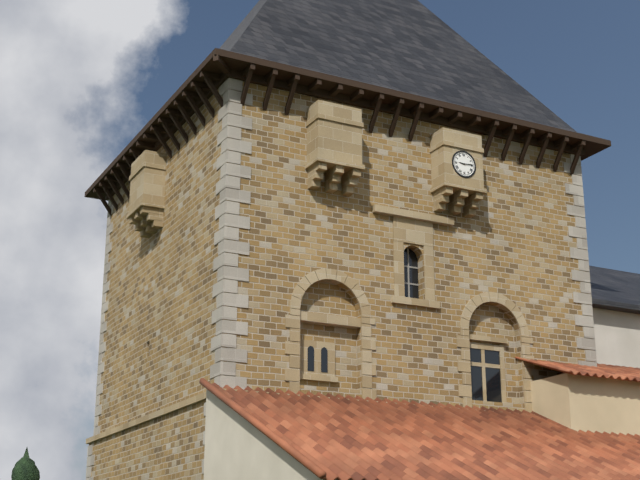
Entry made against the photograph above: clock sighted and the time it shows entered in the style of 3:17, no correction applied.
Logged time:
9:14
